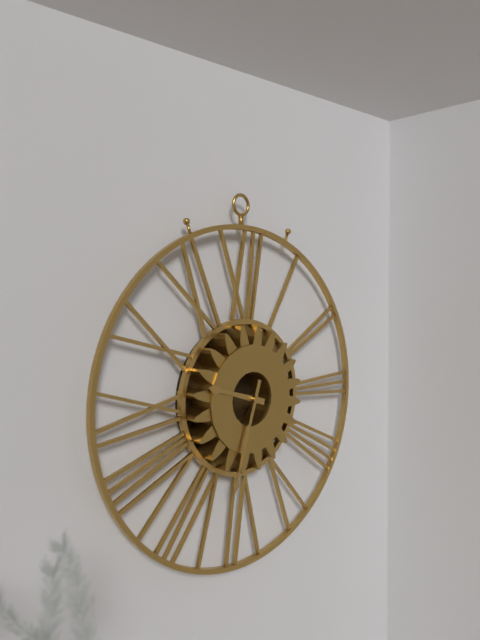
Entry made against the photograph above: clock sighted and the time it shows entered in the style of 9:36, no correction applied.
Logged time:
9:33
